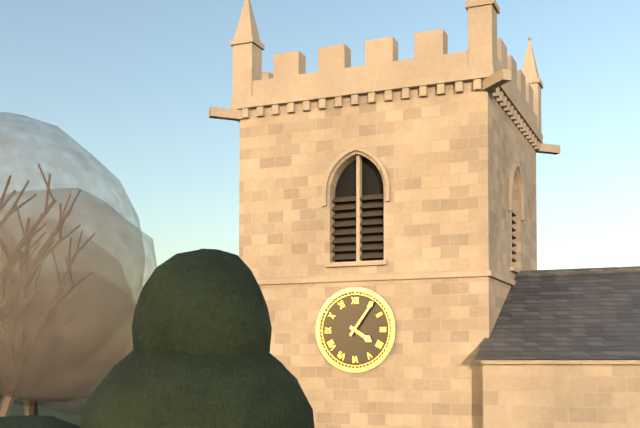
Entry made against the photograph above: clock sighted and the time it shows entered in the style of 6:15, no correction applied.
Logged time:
4:06
